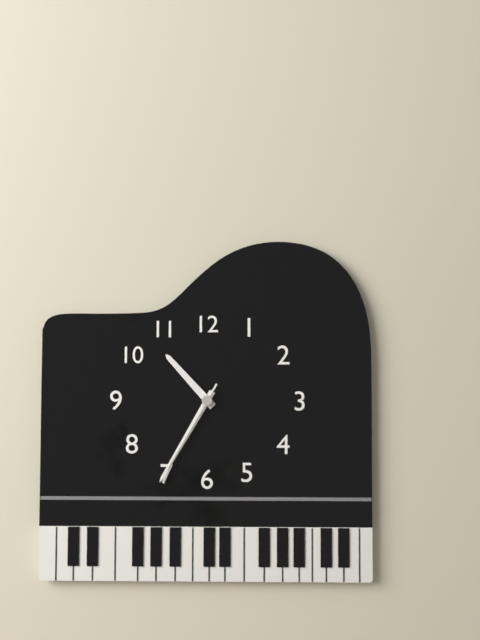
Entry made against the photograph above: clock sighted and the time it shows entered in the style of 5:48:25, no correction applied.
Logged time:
10:35:35
